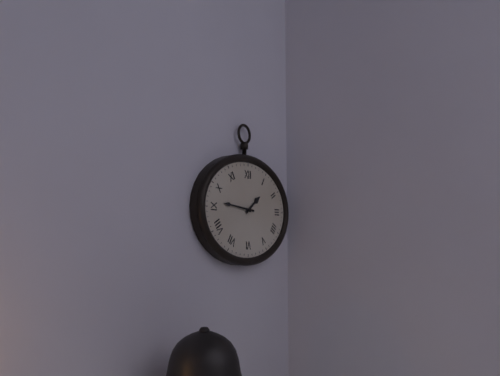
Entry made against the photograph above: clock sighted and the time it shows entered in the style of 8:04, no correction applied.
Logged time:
1:46
